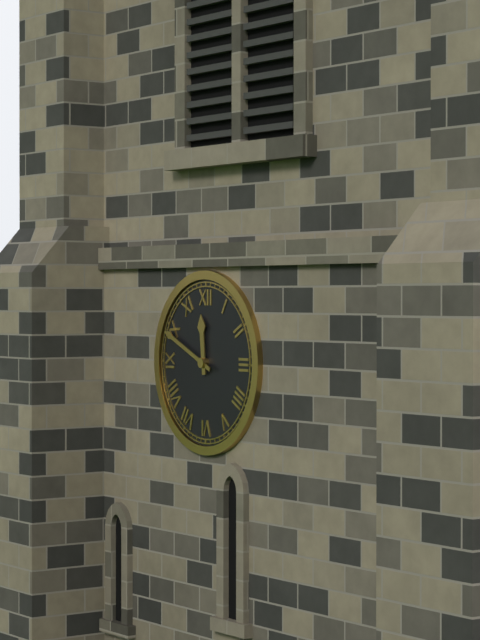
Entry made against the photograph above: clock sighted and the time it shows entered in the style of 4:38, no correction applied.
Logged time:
11:49
